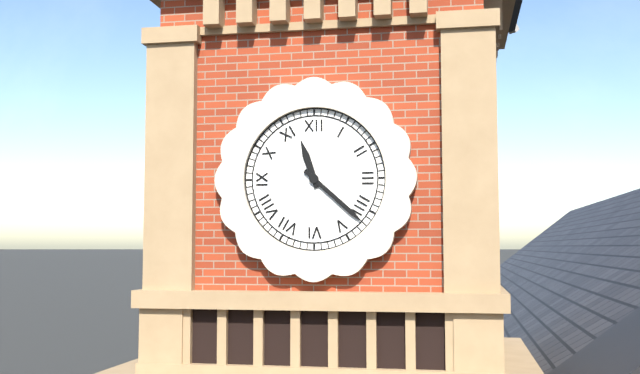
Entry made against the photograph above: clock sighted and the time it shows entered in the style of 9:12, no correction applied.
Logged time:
11:22
